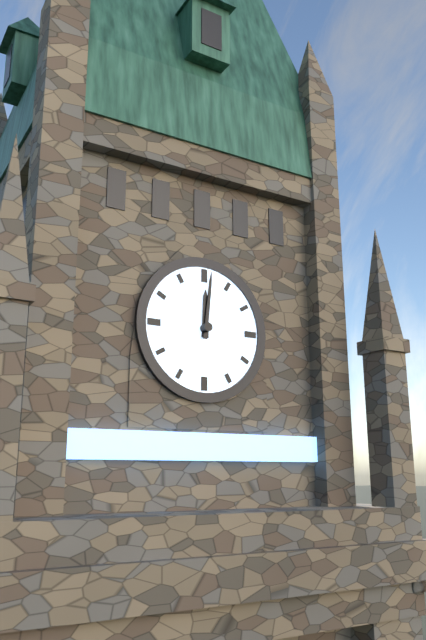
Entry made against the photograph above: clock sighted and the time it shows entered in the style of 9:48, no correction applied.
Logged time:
12:01
